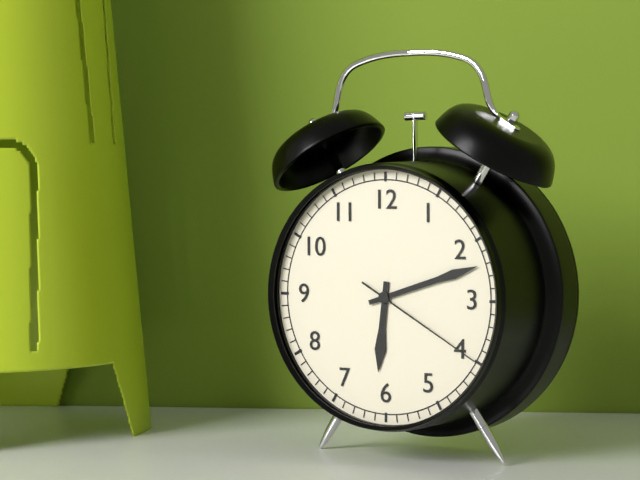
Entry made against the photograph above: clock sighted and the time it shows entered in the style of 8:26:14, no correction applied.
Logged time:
6:12:20
